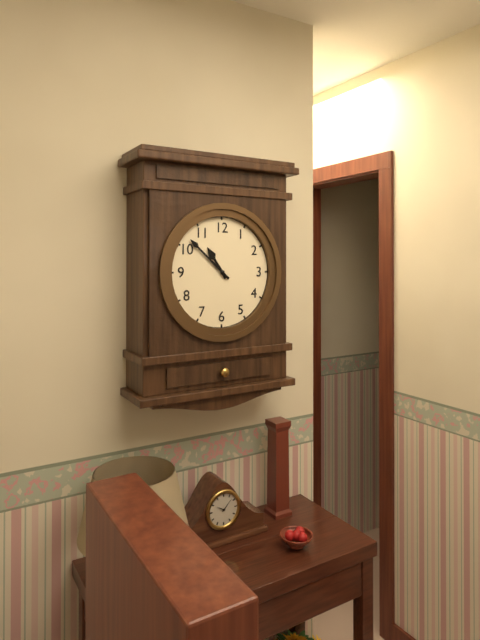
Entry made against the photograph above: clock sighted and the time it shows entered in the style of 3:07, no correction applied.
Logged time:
10:52
